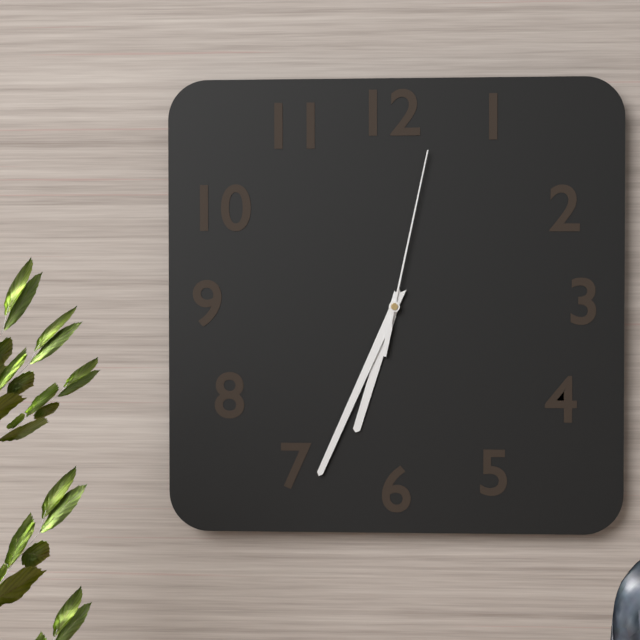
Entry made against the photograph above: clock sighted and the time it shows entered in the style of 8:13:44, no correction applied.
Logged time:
6:34:02
